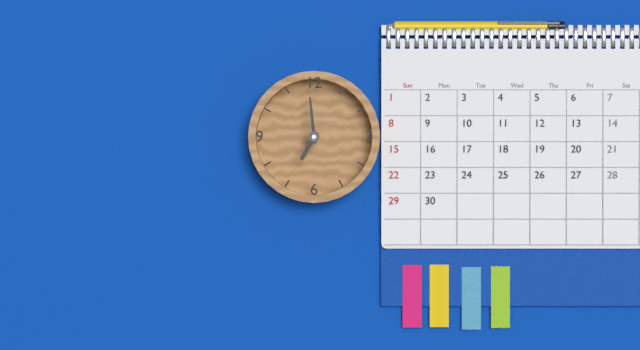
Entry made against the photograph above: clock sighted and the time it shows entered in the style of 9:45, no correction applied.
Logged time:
6:59
